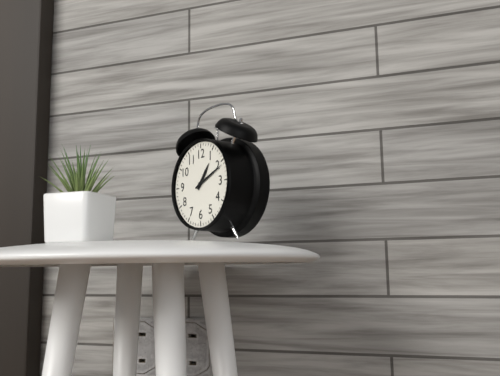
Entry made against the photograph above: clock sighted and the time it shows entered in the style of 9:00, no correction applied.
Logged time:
1:11
